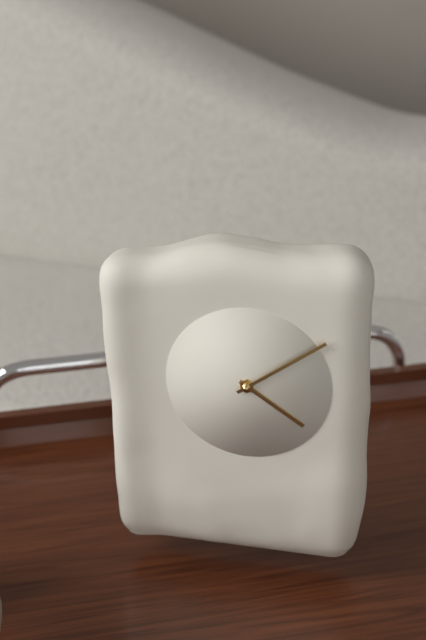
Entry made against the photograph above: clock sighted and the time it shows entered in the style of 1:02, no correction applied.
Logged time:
4:09
